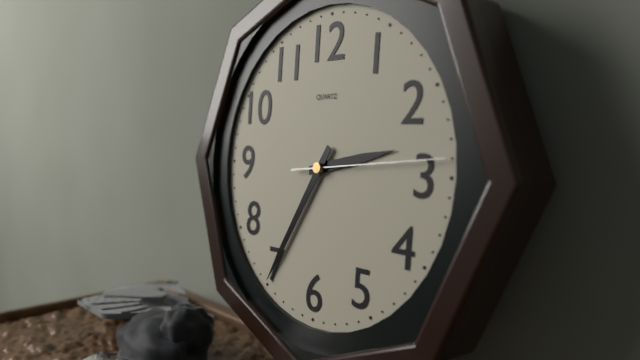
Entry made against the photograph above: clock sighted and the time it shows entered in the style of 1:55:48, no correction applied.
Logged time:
2:35:14
